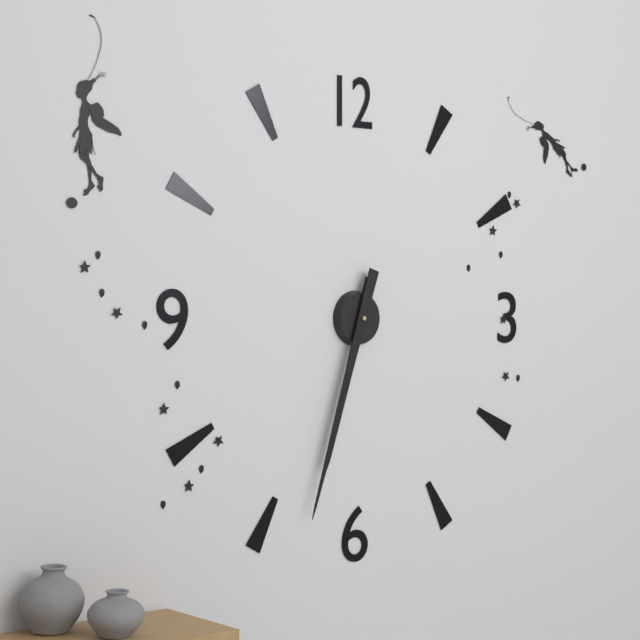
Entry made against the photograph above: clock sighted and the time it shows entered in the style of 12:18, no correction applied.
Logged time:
6:33
